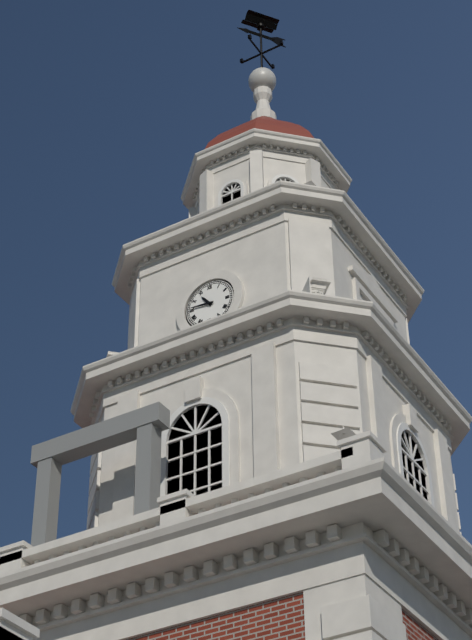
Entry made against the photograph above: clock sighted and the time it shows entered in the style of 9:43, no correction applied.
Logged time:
10:46
